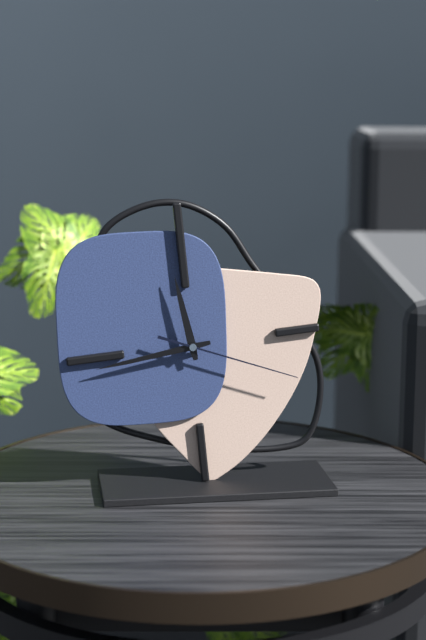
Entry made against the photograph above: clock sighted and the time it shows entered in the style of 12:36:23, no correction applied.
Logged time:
11:44:19
